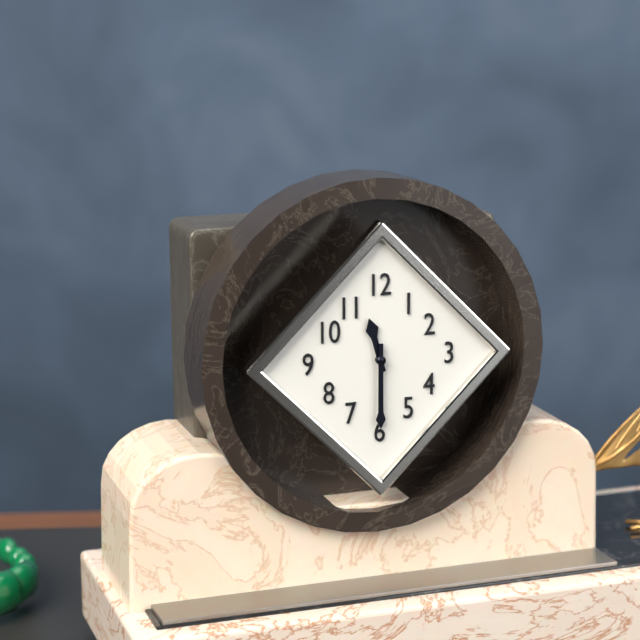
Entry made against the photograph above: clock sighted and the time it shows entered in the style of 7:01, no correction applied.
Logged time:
11:30
